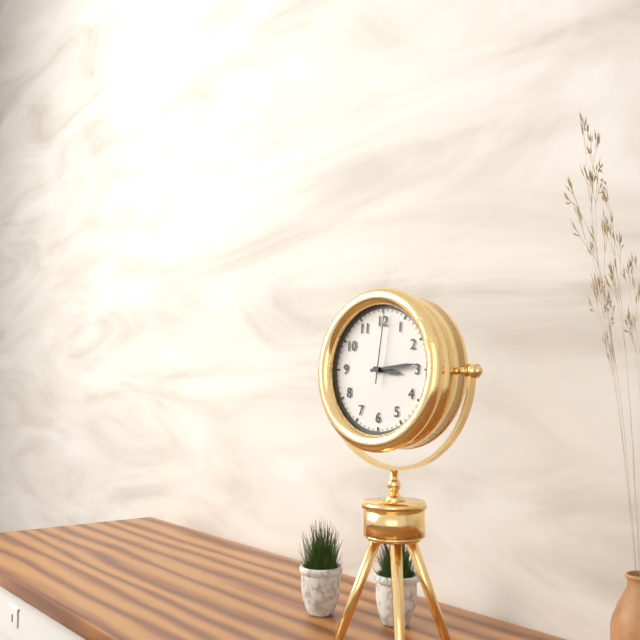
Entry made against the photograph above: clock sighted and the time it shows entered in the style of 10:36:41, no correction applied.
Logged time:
3:14:01
